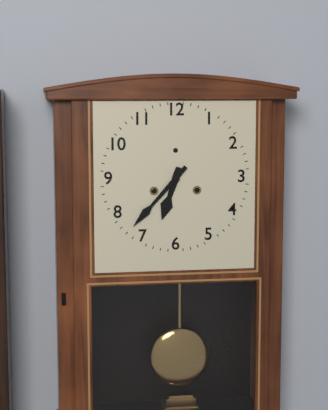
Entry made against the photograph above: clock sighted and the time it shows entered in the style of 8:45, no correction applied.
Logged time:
6:37
